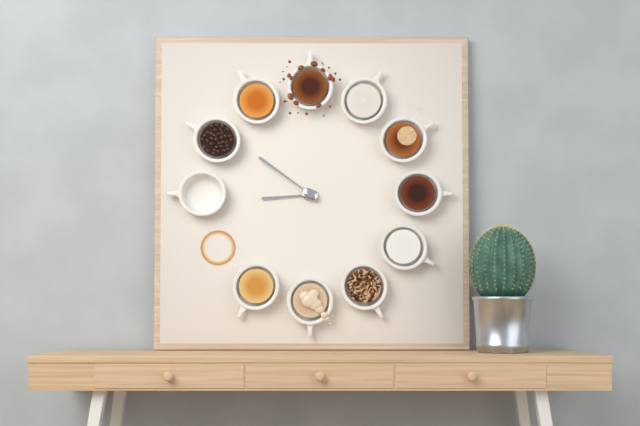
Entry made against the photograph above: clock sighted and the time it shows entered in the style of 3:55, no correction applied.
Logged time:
8:51
